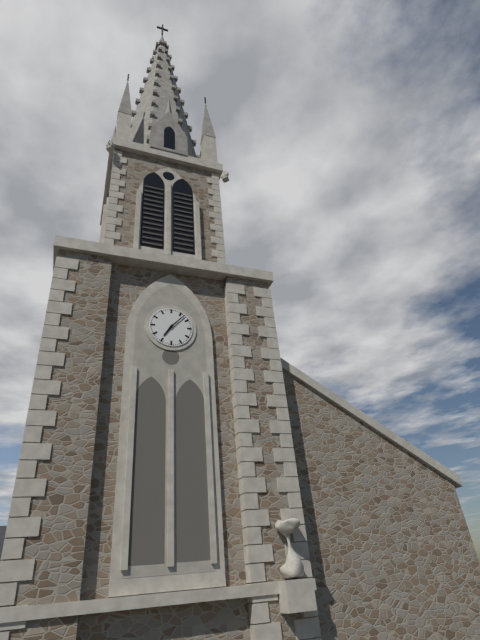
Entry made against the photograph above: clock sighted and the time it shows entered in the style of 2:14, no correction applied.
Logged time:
7:07
